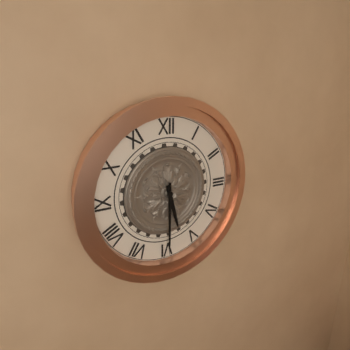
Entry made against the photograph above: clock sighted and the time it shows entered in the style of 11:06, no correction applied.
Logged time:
5:30
